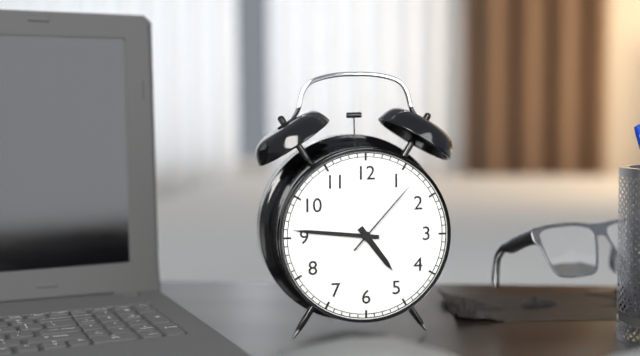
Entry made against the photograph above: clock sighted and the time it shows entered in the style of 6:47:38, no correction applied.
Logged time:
4:46:07
